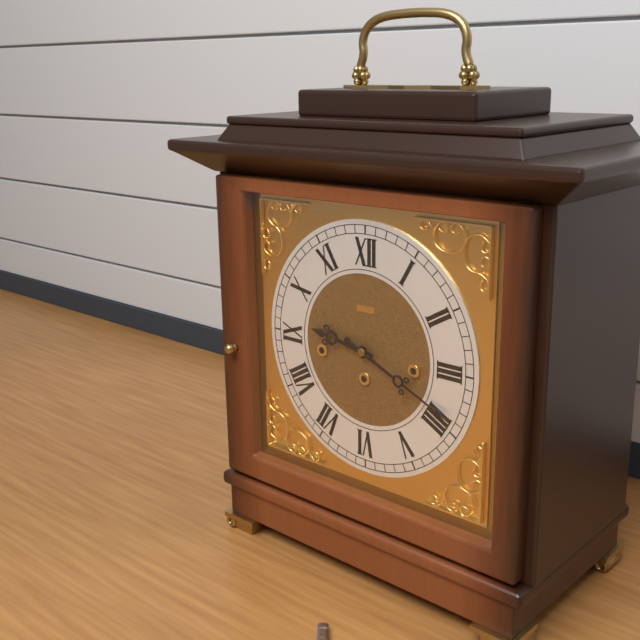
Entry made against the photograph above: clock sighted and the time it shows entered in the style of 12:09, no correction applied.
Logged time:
9:19
